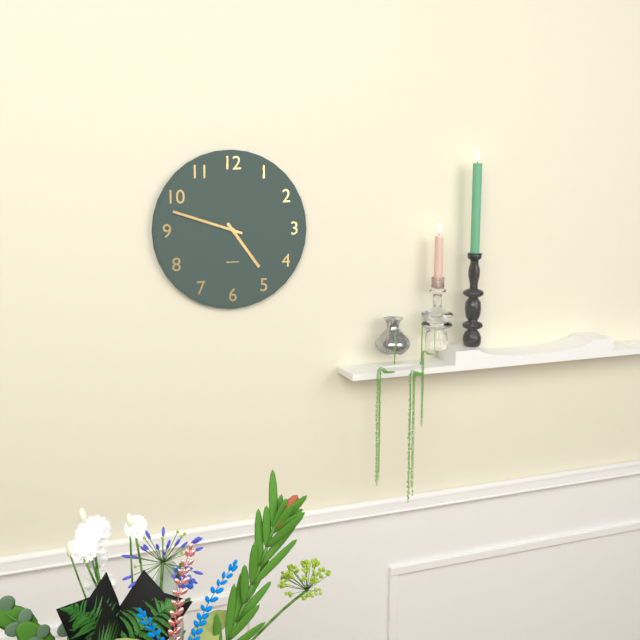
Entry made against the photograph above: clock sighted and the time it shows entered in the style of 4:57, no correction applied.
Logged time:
4:48
